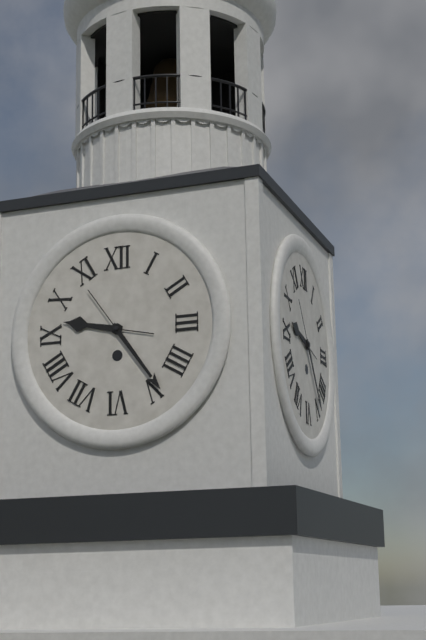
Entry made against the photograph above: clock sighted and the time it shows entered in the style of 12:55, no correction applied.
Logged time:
9:24
